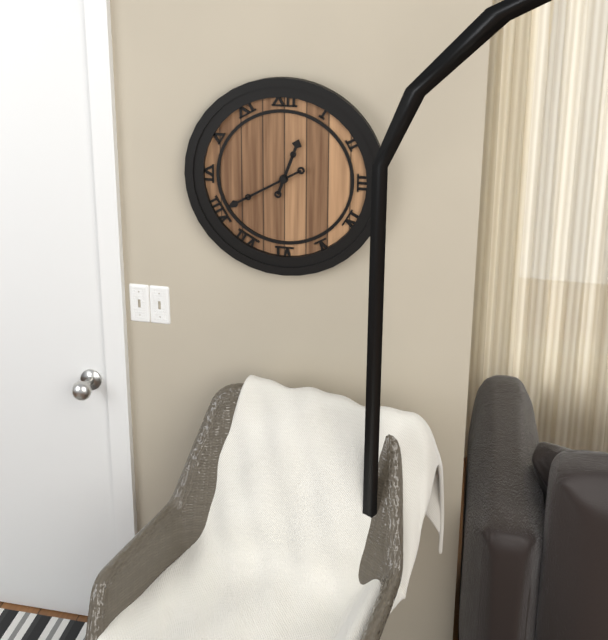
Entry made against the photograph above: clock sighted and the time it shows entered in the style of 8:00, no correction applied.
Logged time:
12:40
